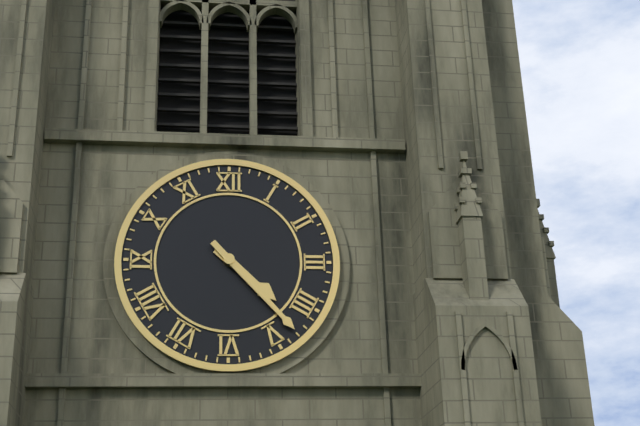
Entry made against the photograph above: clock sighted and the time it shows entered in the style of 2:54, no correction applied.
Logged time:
4:23
